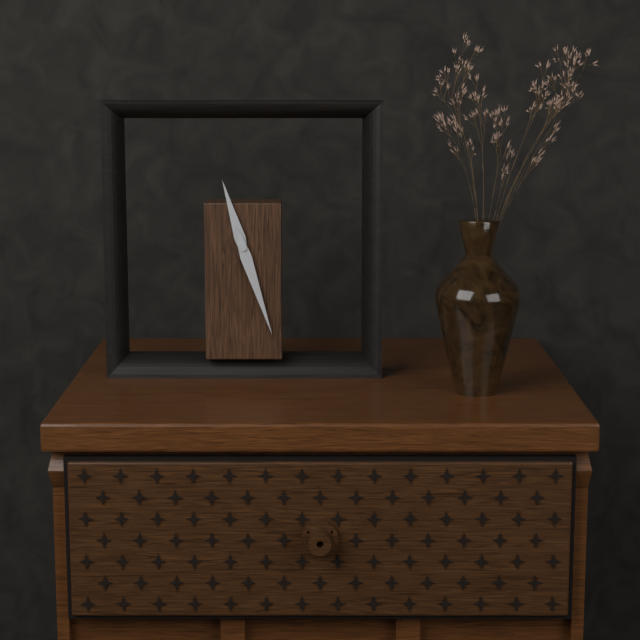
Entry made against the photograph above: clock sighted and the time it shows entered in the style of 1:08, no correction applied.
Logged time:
11:27
